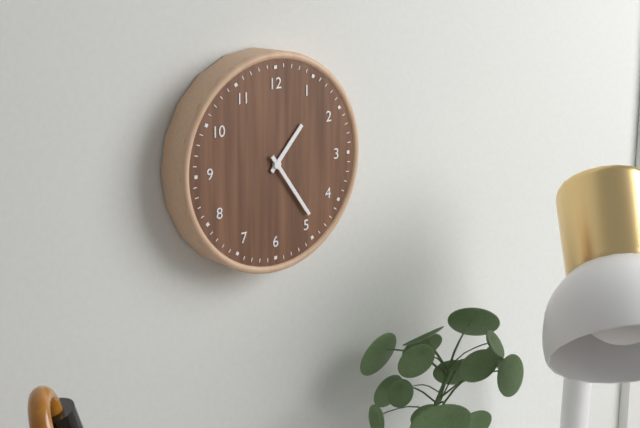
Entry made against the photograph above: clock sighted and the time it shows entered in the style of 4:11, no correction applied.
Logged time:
1:24
